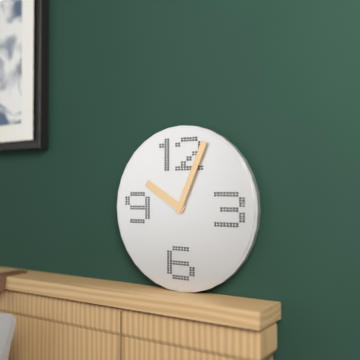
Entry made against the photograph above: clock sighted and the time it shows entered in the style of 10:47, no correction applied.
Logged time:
10:04
